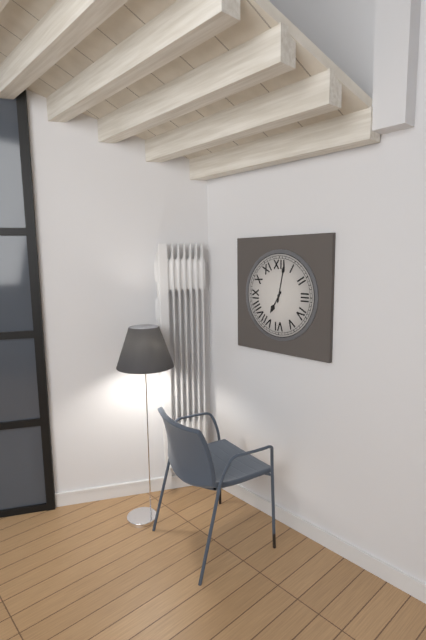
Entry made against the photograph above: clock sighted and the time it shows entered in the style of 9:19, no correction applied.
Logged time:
7:02
